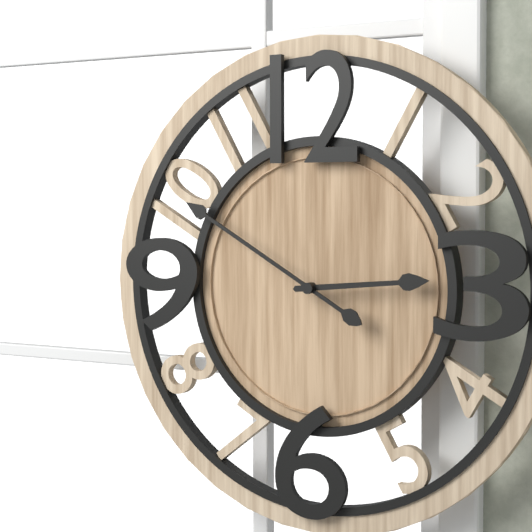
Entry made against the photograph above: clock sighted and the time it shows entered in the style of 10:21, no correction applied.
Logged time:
2:50
